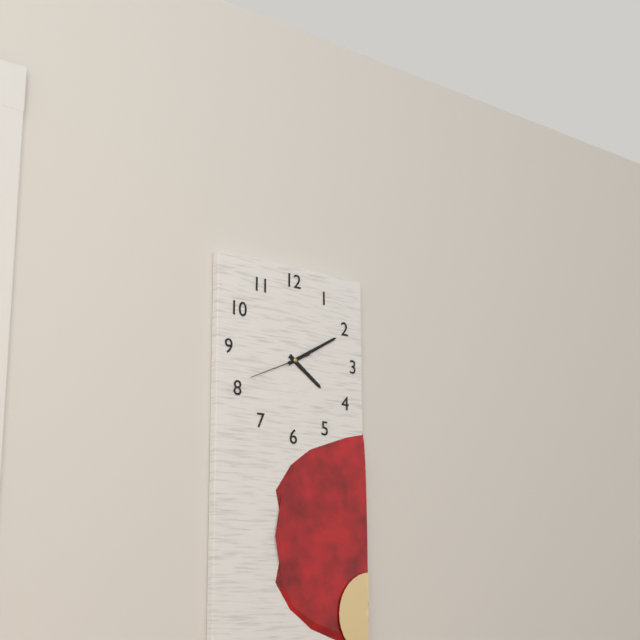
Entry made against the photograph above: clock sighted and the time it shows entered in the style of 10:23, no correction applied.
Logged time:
4:10
